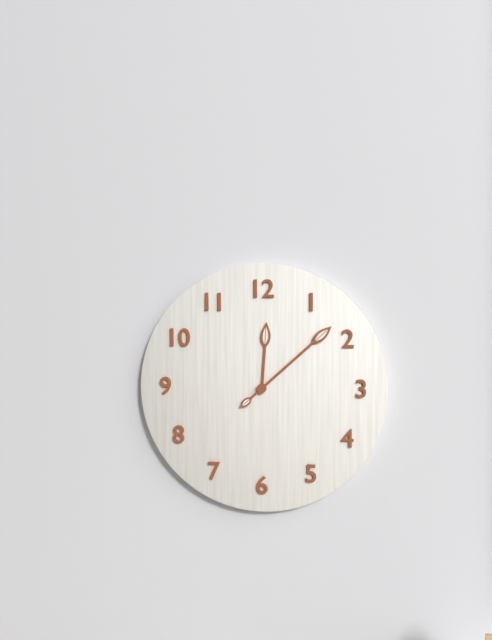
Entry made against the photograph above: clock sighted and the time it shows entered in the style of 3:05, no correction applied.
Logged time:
12:08
